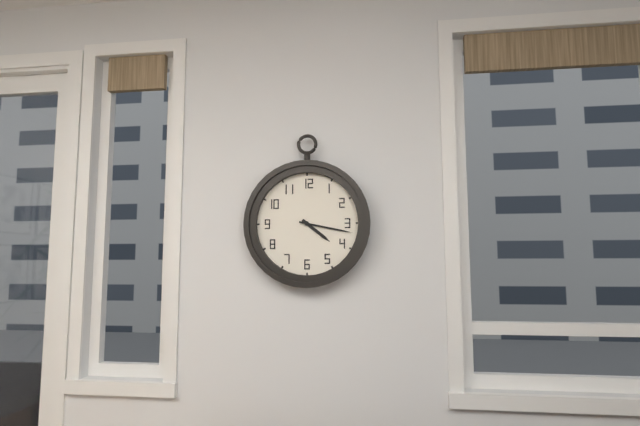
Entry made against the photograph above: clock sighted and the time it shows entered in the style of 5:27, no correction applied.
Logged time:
4:17
